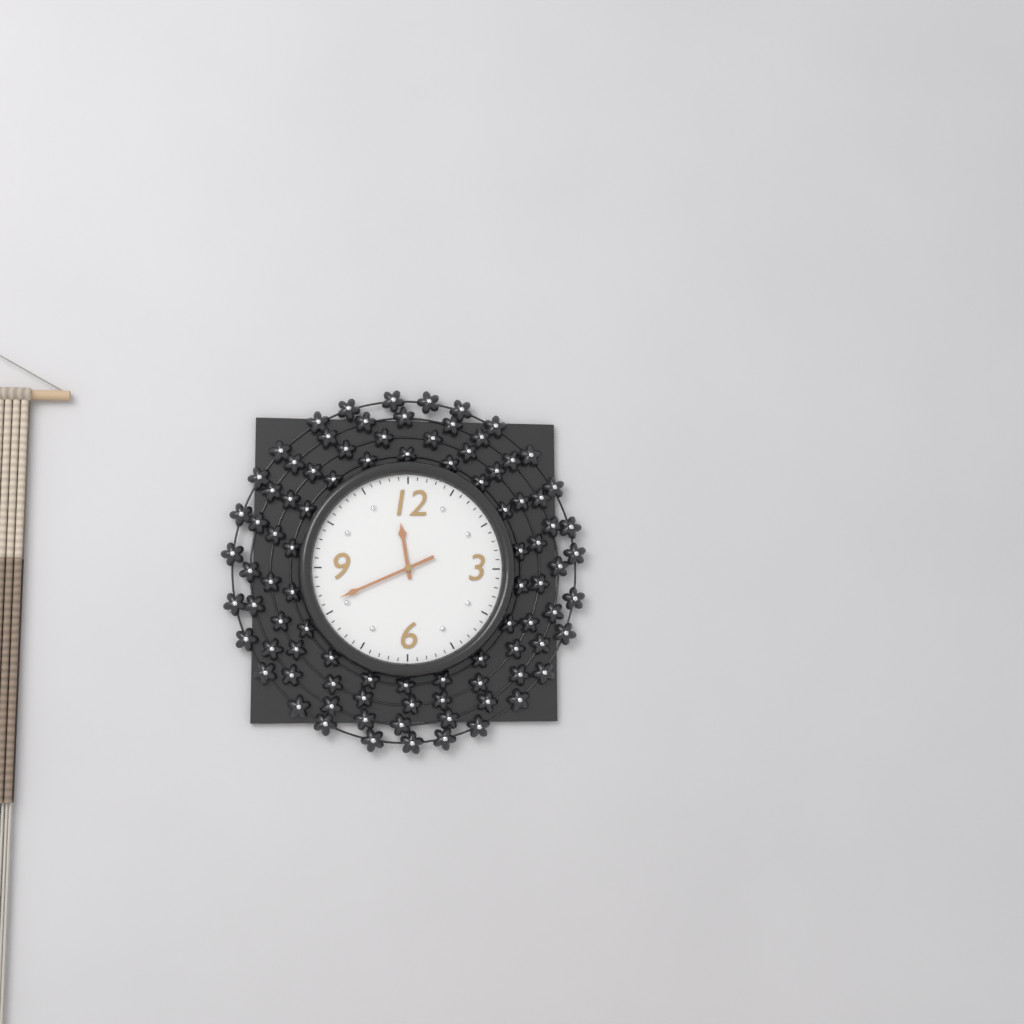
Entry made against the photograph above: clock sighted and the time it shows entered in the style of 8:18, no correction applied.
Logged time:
11:41
